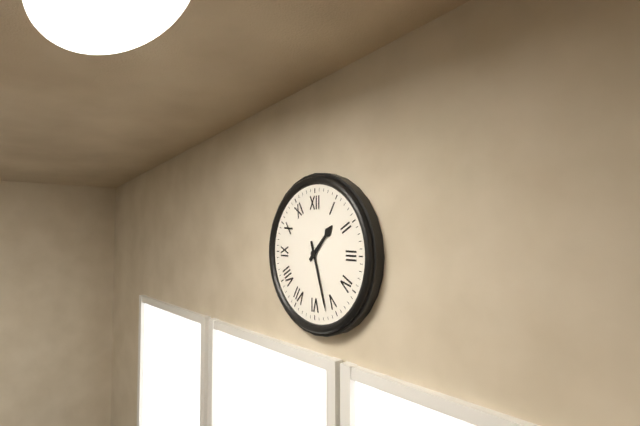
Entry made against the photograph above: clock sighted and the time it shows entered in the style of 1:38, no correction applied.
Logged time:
1:27
